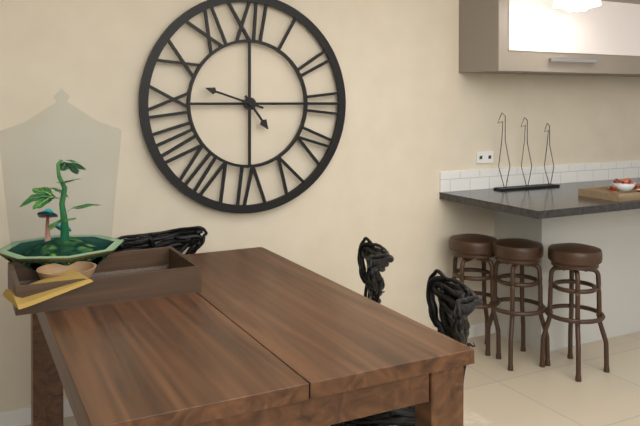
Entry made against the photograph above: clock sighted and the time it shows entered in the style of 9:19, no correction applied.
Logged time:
4:48
